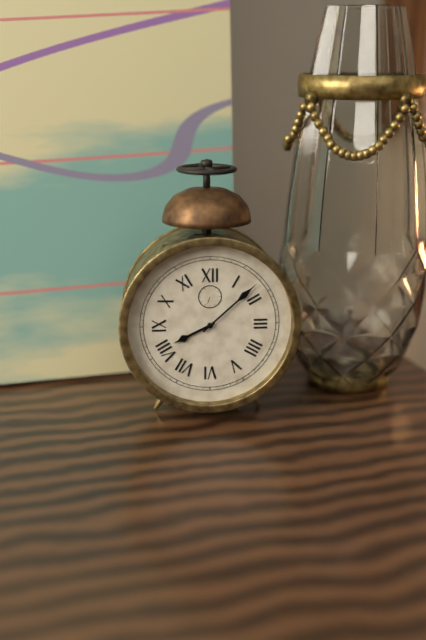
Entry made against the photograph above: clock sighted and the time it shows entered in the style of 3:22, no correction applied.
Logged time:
8:08
